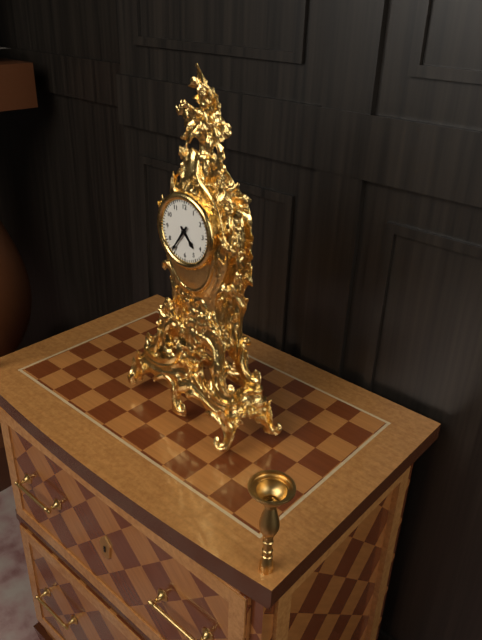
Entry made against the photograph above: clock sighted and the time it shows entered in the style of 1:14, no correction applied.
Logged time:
4:36
